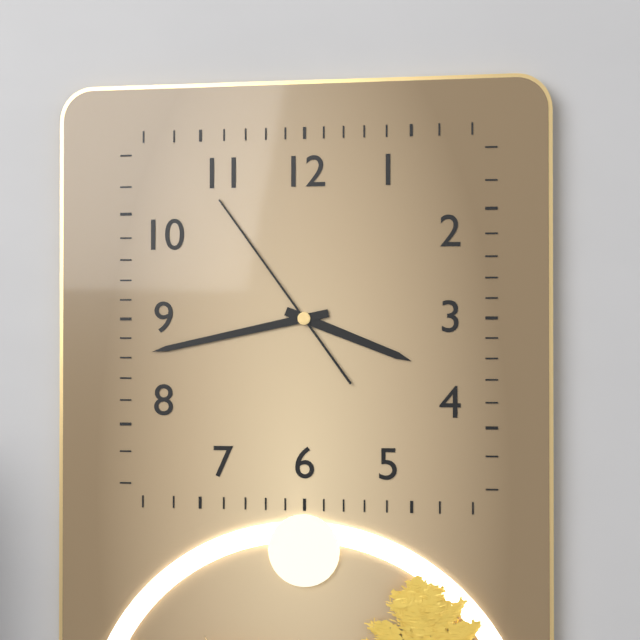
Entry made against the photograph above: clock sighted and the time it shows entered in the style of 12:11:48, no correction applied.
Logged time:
3:43:54
